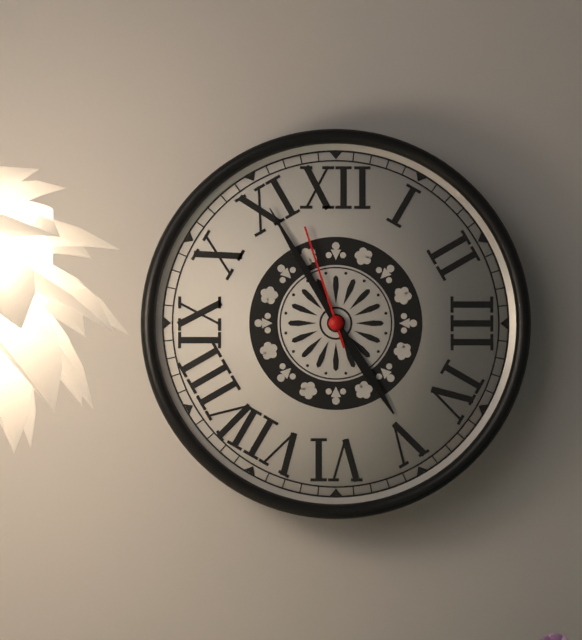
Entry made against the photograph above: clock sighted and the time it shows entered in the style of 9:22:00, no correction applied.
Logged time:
4:55:57
